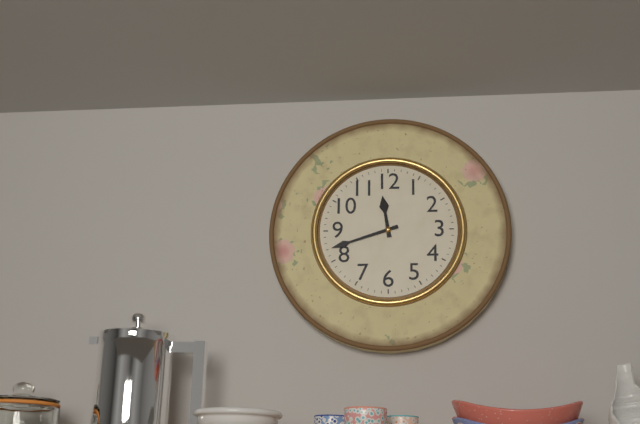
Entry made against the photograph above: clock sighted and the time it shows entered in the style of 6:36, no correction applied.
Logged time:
11:42
